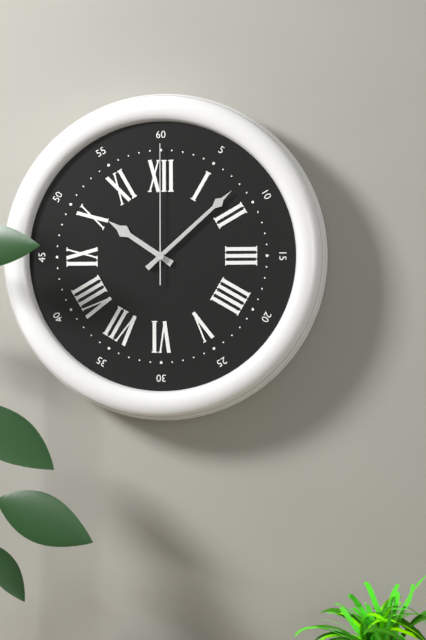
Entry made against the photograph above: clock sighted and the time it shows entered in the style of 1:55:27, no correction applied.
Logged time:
10:08:00
